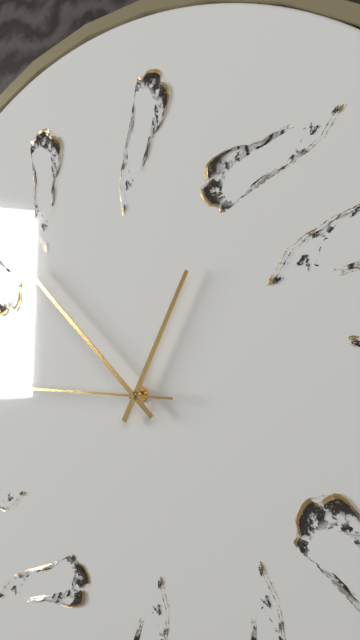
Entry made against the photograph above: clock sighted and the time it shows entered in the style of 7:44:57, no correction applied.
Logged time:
12:52:45
